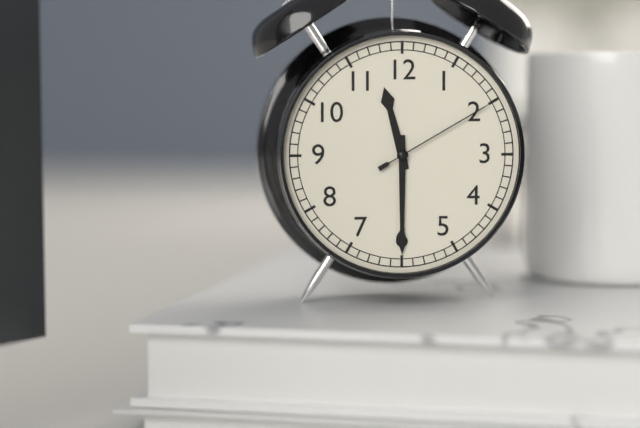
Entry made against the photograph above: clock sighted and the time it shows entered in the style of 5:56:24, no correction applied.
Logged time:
11:30:10
